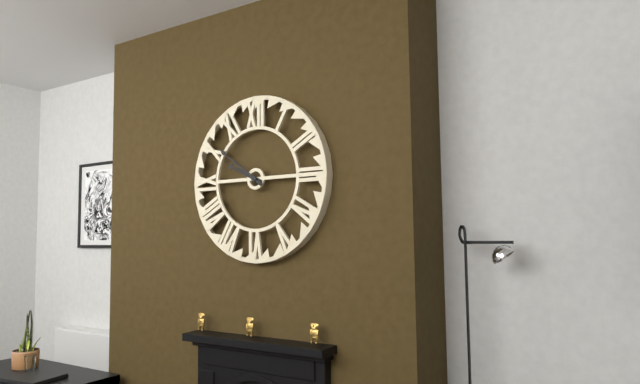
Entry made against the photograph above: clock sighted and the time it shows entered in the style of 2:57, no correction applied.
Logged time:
9:51
